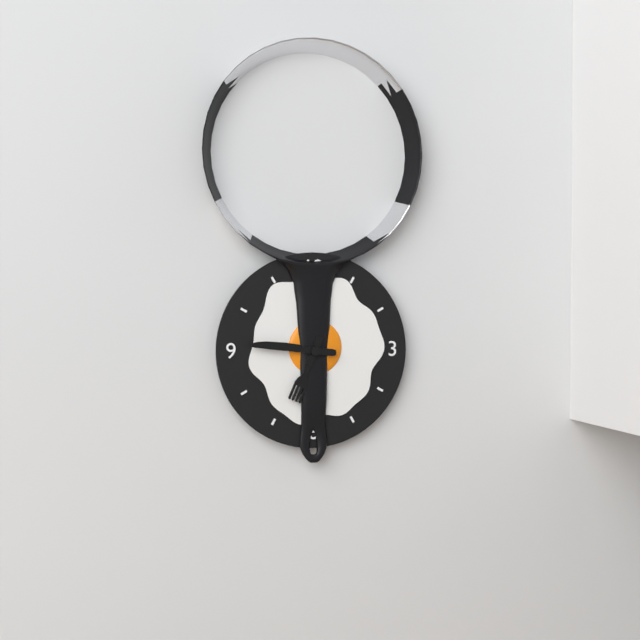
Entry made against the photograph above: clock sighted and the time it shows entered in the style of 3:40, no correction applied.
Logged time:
6:46
